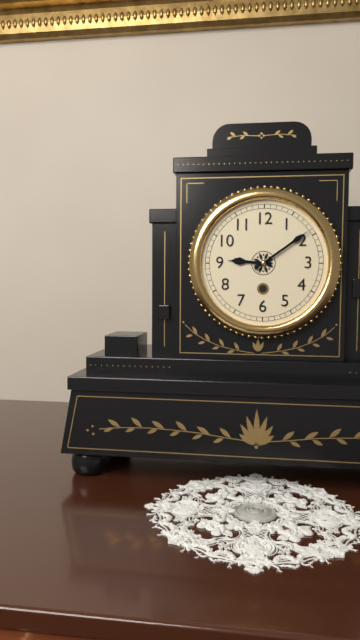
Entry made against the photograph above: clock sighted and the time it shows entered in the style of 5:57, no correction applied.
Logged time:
9:09
